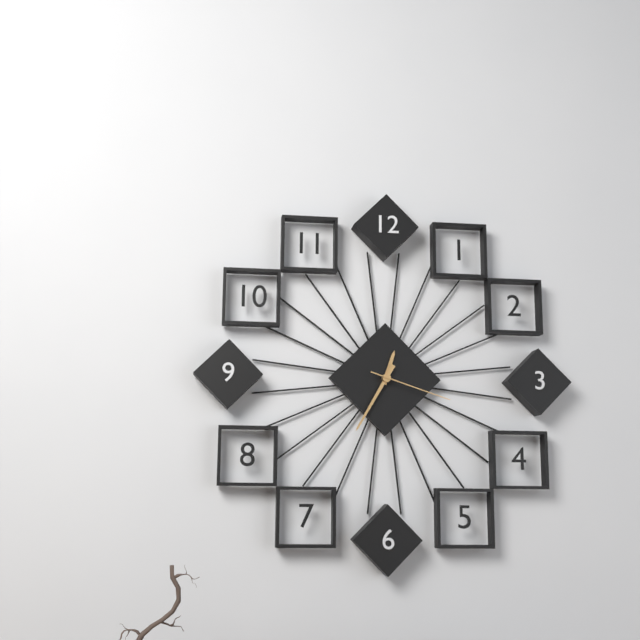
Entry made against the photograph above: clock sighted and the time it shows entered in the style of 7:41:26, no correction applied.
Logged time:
12:35:18
